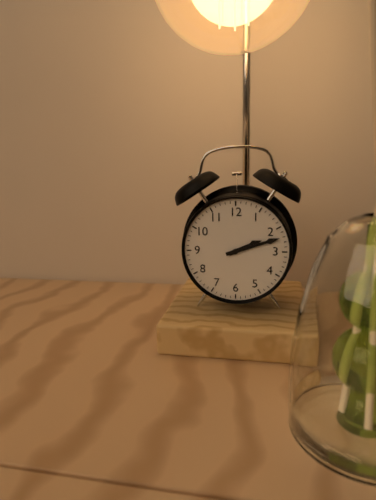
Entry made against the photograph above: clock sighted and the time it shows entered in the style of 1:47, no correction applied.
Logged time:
2:12
